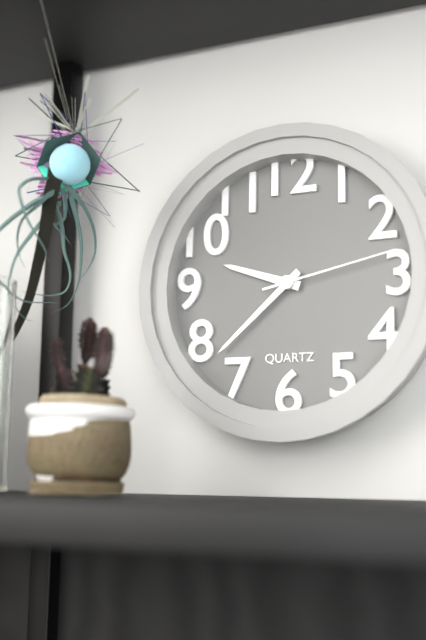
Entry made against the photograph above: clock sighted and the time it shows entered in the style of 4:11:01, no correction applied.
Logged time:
9:38:13
